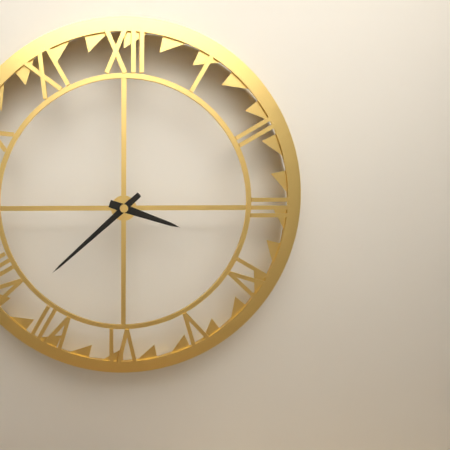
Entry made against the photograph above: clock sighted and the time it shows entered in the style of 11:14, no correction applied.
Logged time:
3:38
